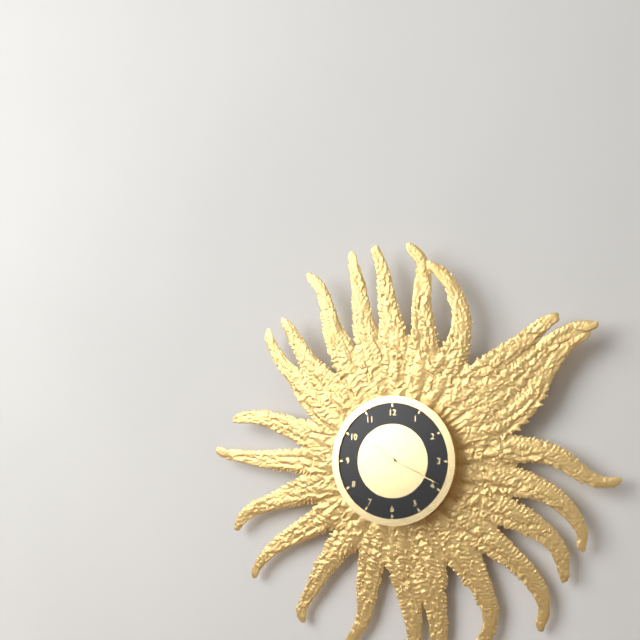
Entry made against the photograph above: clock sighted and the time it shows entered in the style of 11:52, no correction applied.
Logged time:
10:19
